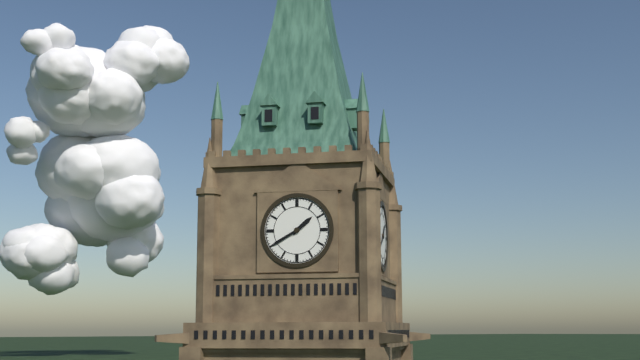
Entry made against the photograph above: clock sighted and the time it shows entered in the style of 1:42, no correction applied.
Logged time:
1:40
